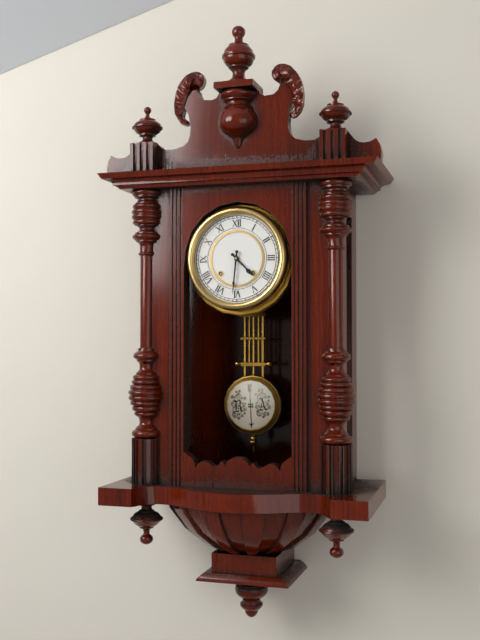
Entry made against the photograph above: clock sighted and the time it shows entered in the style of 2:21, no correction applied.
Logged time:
4:31
